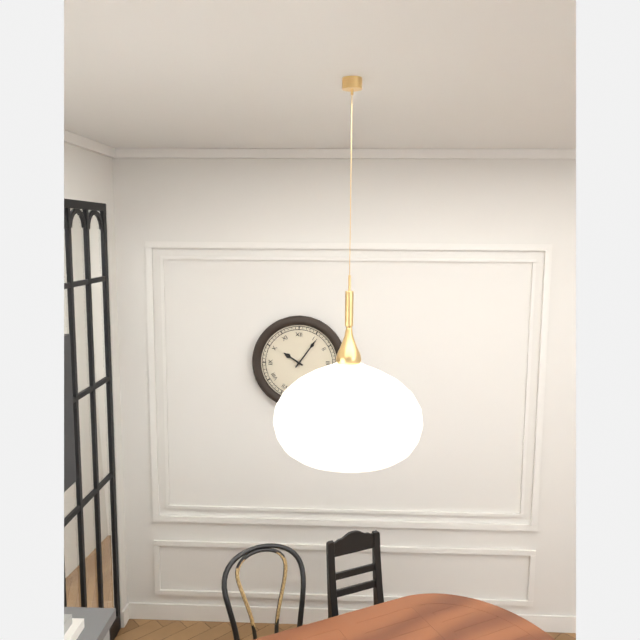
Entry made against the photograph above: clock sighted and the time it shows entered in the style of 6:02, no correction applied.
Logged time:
10:06
